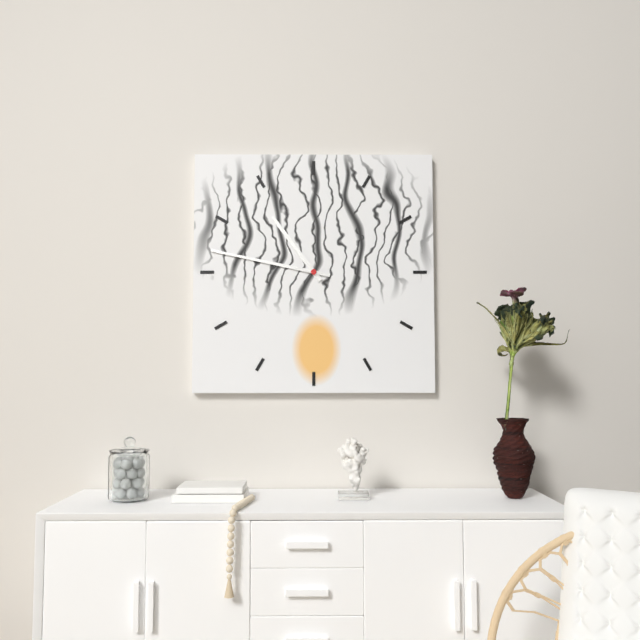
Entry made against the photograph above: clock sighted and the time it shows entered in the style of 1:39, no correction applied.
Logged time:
10:47
